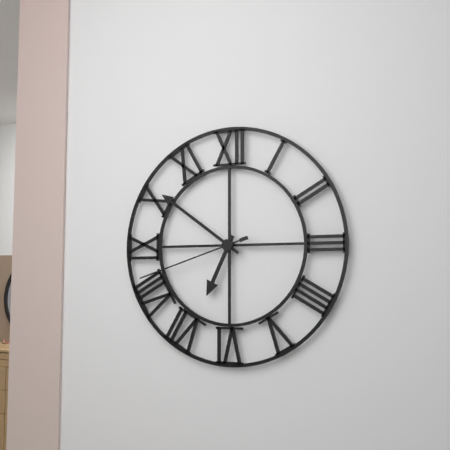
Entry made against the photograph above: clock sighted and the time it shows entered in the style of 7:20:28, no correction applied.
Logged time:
6:51:42
